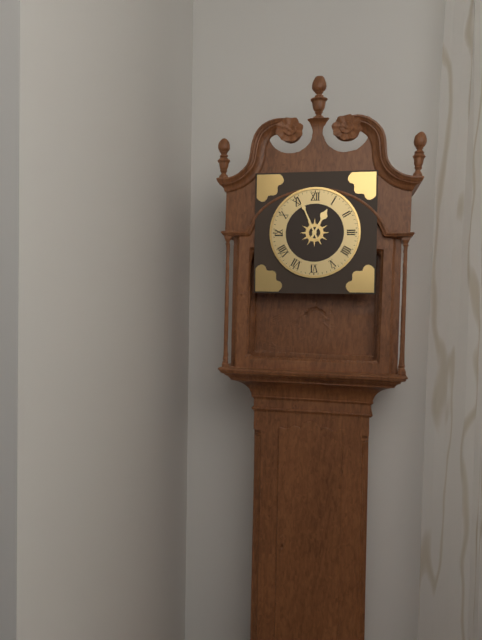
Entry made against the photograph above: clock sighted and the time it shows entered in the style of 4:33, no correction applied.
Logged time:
12:56
